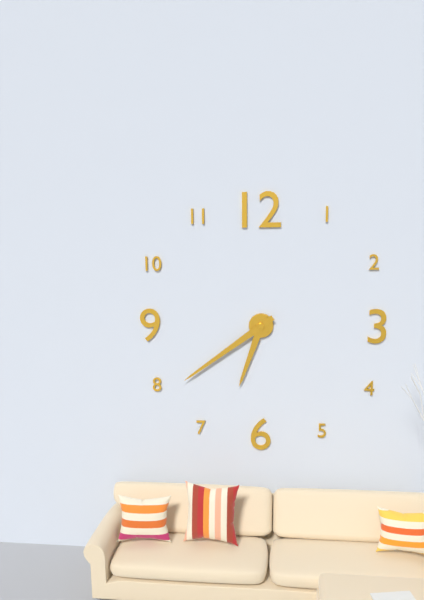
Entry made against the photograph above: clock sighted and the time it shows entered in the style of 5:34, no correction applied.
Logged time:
6:39
